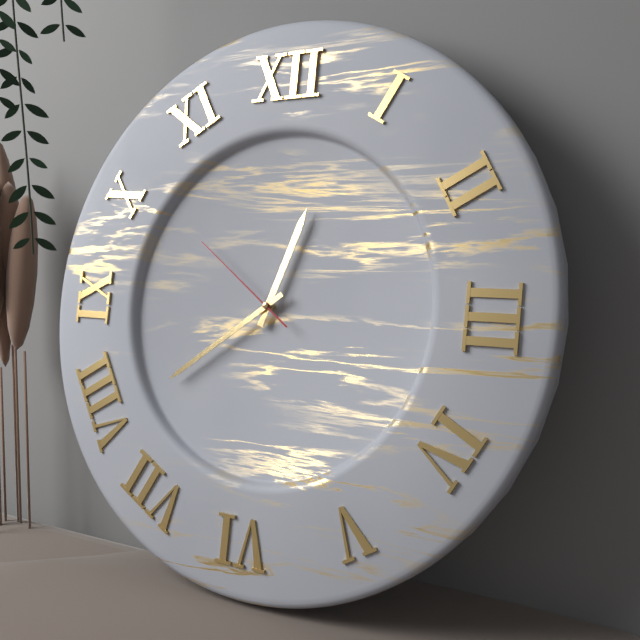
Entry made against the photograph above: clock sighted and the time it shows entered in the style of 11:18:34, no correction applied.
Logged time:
12:39:51
